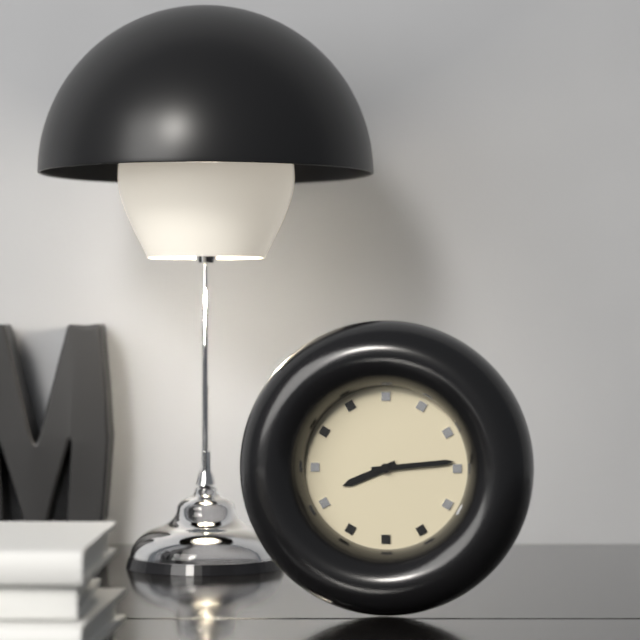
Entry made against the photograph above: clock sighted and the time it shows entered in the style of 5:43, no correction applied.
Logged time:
8:14
